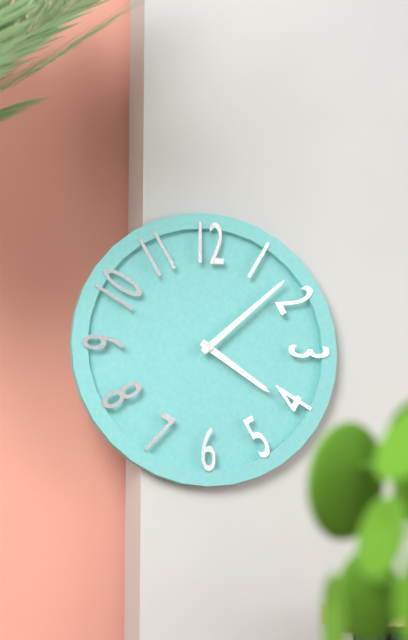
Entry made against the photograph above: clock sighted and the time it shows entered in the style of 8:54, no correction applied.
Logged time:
4:08
